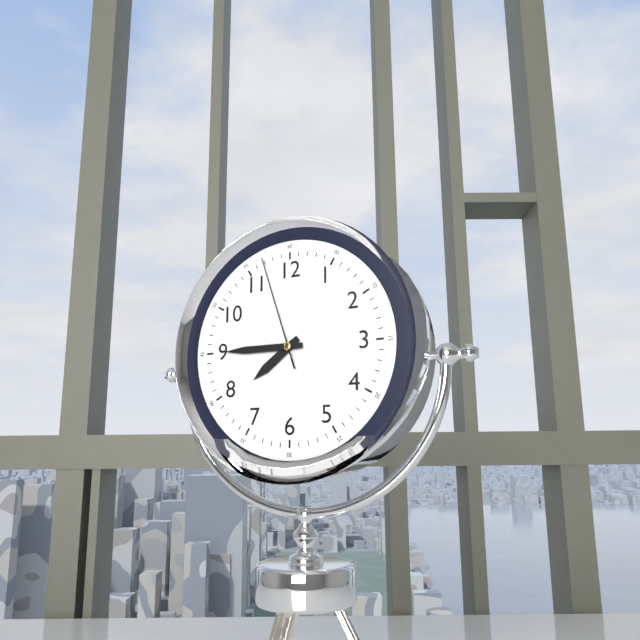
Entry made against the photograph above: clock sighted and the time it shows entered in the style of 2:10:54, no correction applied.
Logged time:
7:45:57
